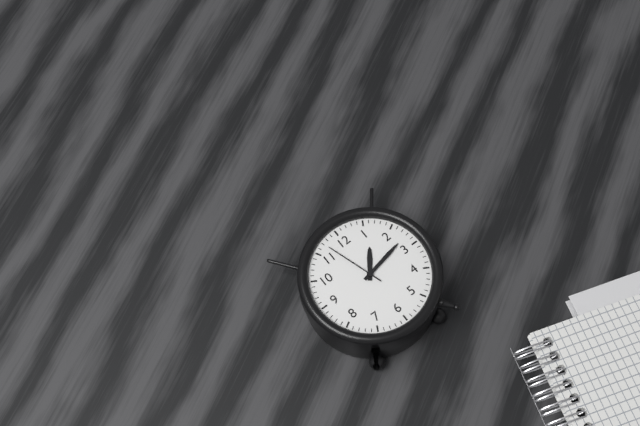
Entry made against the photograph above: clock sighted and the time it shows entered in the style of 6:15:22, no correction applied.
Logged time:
1:13:57
